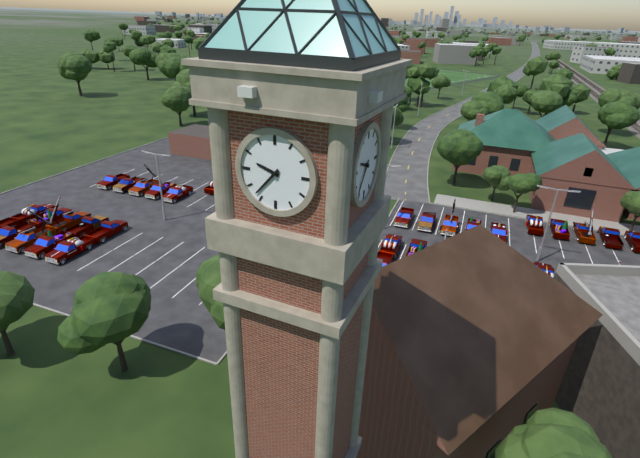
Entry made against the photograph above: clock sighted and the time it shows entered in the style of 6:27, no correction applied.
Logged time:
9:37
